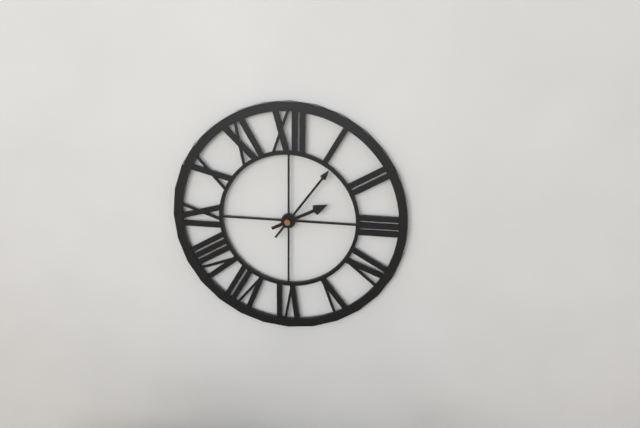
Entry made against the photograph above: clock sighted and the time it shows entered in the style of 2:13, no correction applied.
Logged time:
2:06
